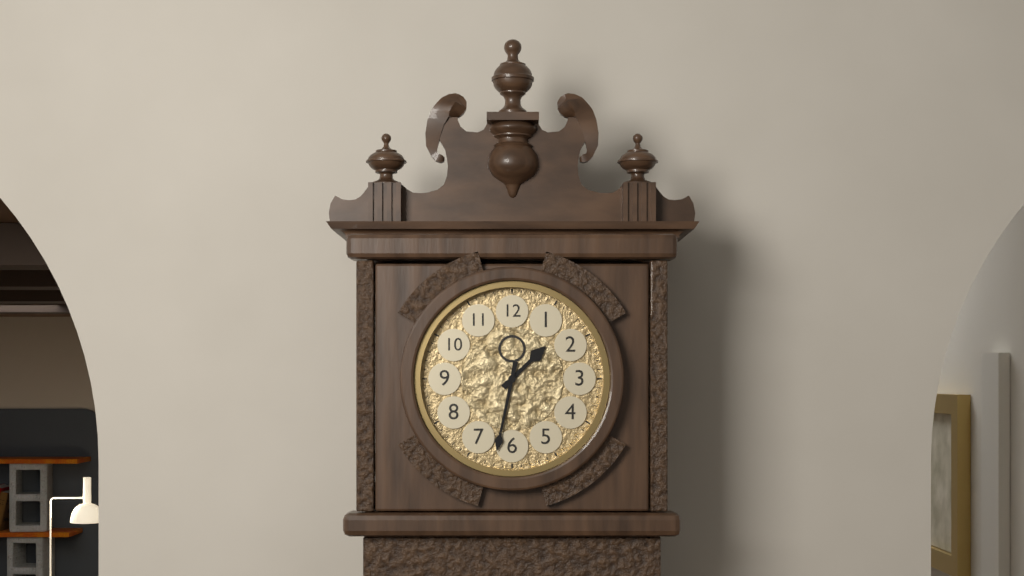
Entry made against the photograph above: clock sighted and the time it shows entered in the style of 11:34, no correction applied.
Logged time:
1:32
